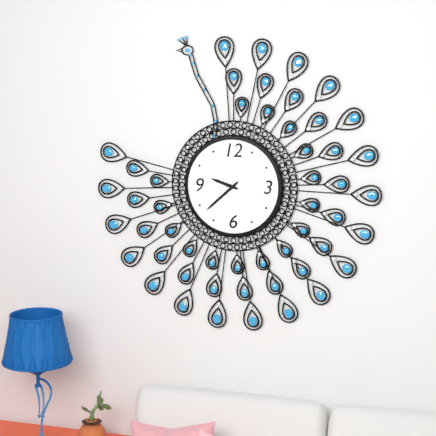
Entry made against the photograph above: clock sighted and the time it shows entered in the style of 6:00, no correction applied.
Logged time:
9:38
